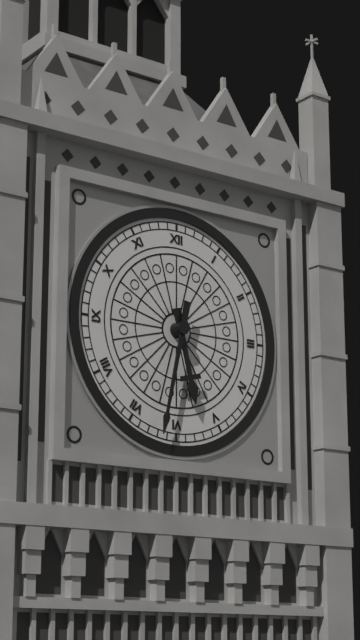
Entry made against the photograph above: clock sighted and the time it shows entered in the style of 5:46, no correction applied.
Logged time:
5:32
